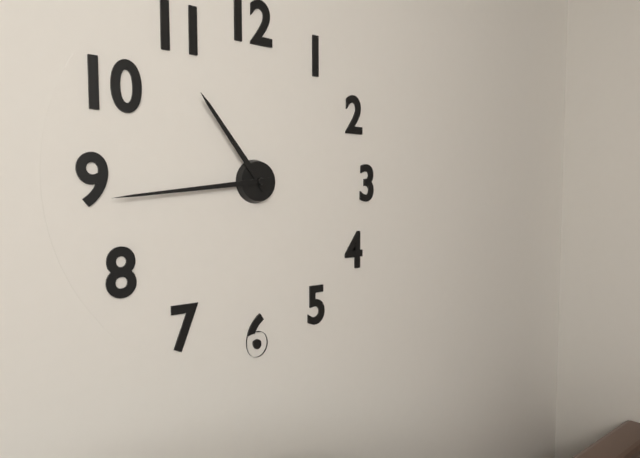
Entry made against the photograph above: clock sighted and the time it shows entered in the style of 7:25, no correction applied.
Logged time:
10:44
